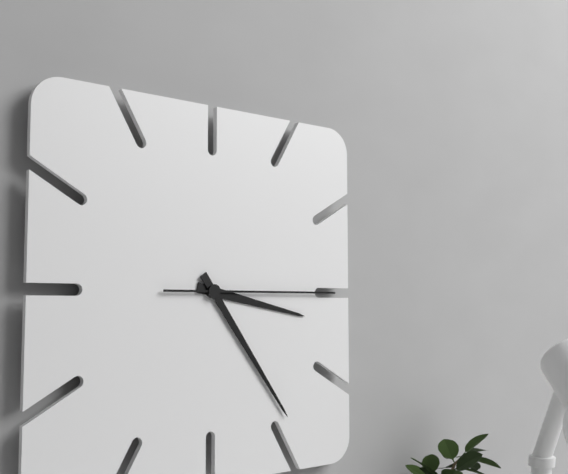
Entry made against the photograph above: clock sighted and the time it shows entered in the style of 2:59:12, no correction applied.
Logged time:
3:24:15
